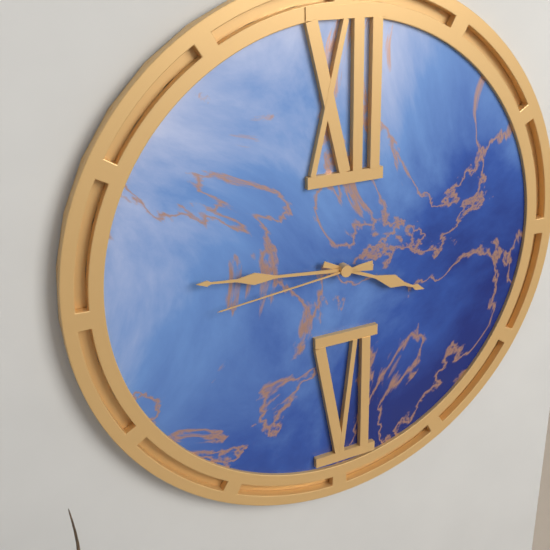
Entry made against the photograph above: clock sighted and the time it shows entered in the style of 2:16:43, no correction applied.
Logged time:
3:46:44
